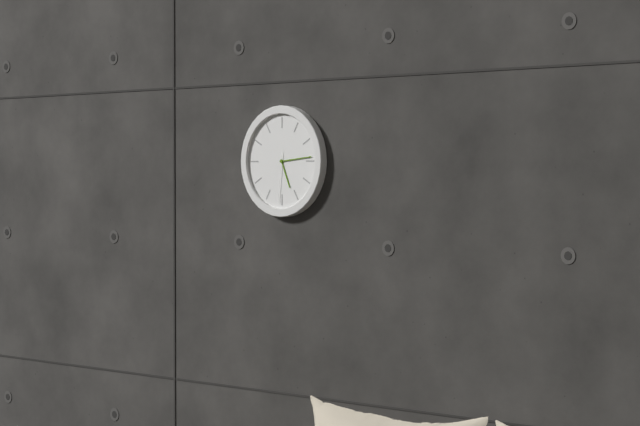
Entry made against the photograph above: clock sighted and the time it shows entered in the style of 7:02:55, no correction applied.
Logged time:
5:14:31
